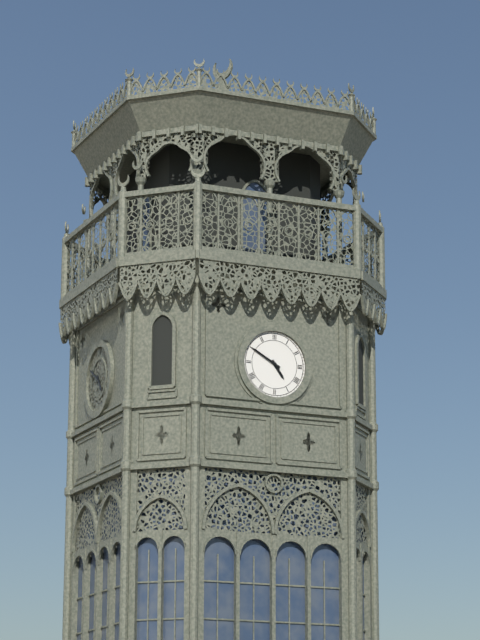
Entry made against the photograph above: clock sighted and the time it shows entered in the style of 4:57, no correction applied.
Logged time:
4:50
